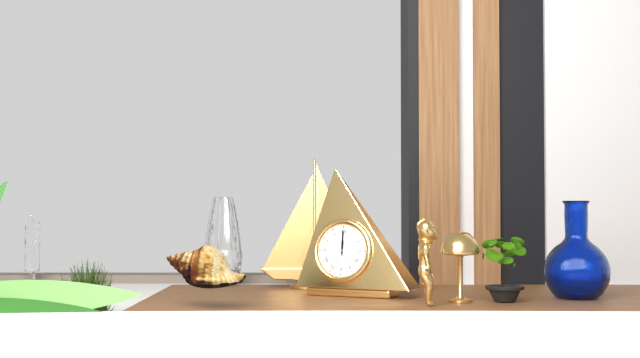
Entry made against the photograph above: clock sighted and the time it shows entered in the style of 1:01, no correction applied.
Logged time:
12:00
